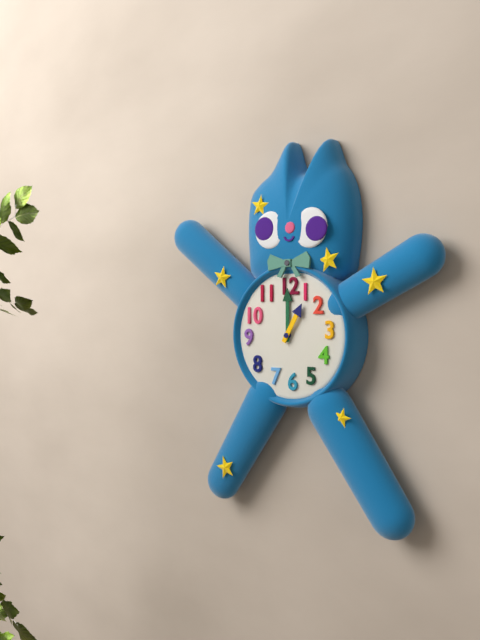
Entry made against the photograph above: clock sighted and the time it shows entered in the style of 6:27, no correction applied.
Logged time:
1:00
